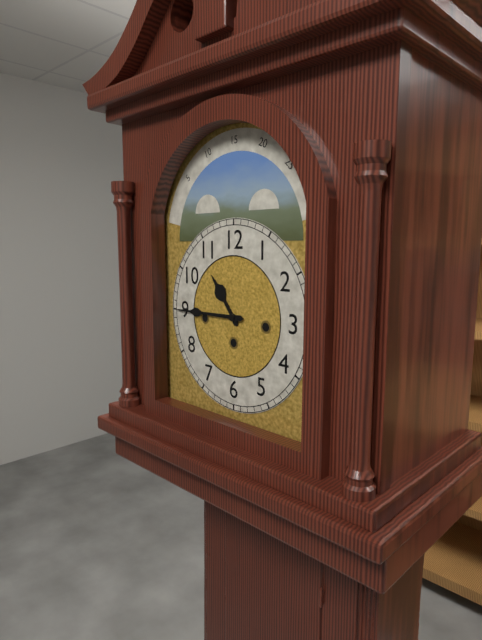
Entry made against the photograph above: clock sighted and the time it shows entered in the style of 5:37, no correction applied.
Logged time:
10:45
